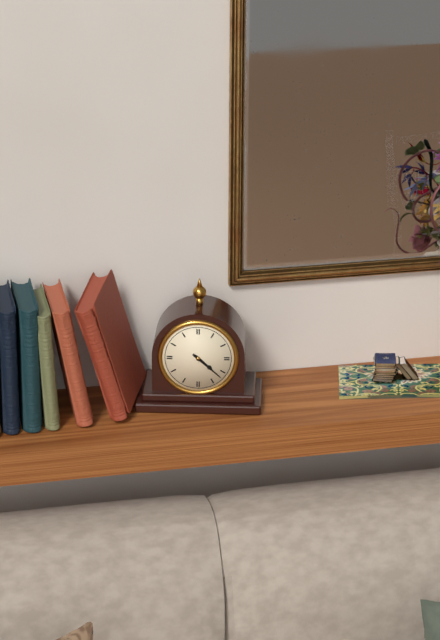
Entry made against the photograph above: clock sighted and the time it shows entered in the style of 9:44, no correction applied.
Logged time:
4:22
